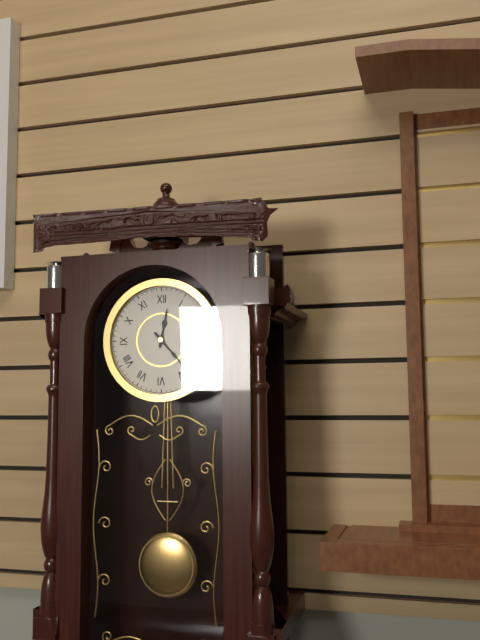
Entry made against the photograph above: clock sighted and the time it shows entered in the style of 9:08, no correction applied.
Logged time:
12:23
